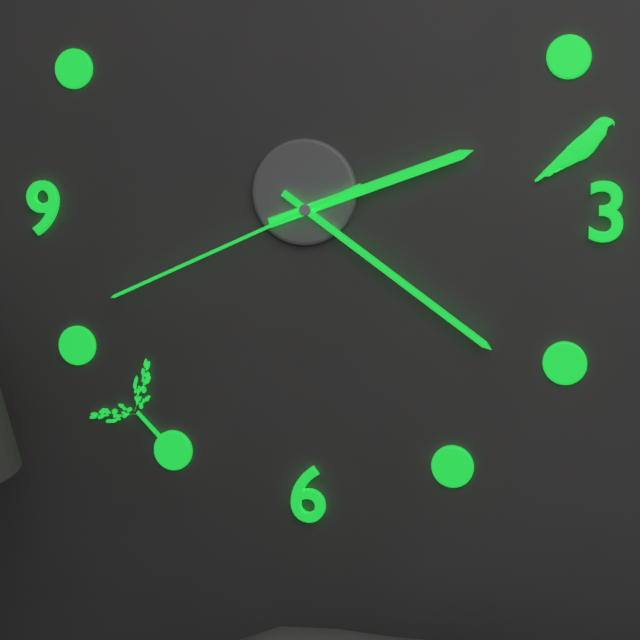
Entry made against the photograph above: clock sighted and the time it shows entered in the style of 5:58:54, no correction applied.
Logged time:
2:21:41
